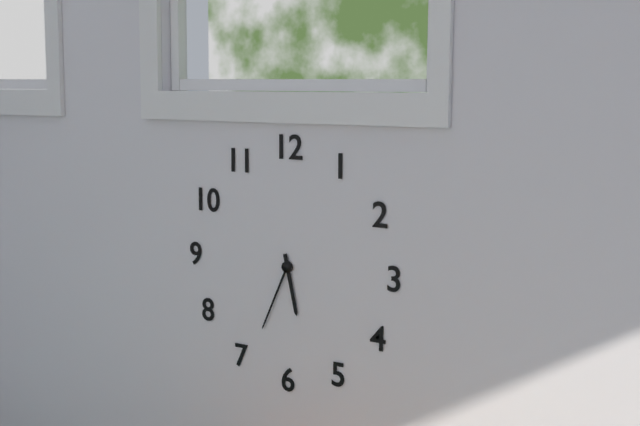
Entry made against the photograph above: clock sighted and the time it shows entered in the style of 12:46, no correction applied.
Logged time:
5:34
